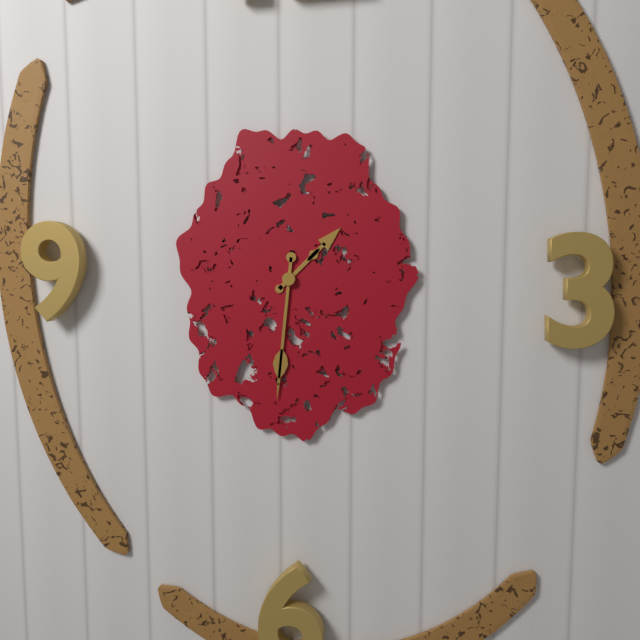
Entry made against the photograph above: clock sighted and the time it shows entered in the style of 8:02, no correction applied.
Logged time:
1:31
